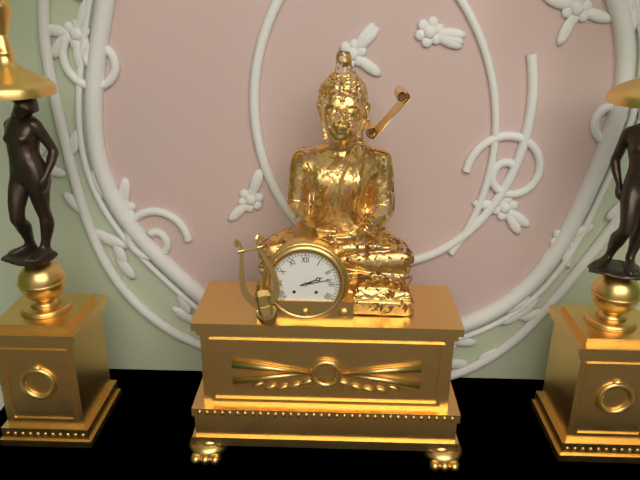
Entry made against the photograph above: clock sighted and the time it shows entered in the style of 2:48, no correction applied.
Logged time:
2:13
